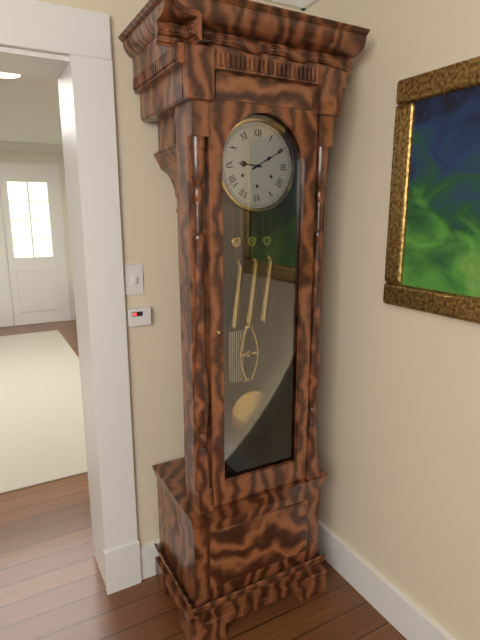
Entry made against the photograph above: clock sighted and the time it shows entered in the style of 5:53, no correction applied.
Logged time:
9:10
